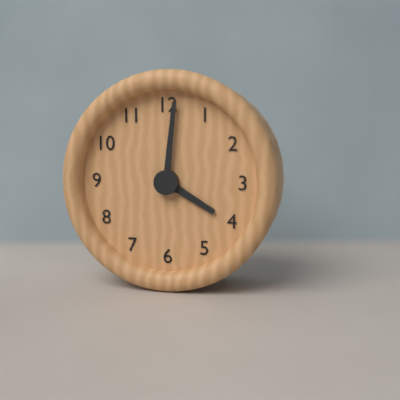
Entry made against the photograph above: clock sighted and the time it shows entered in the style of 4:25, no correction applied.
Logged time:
4:01
